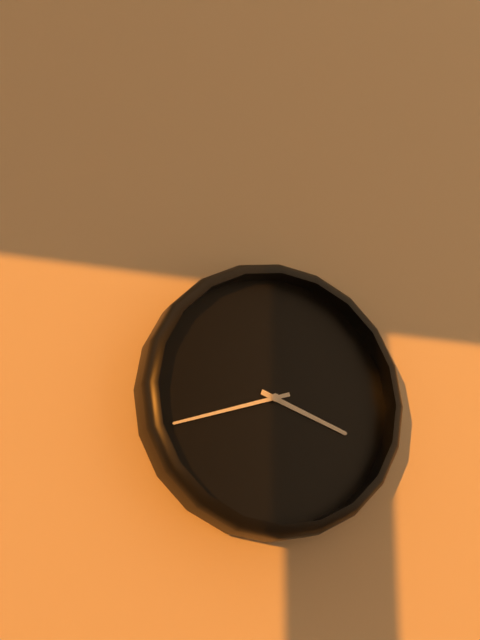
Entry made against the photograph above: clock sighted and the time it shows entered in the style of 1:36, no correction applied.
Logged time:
3:42
